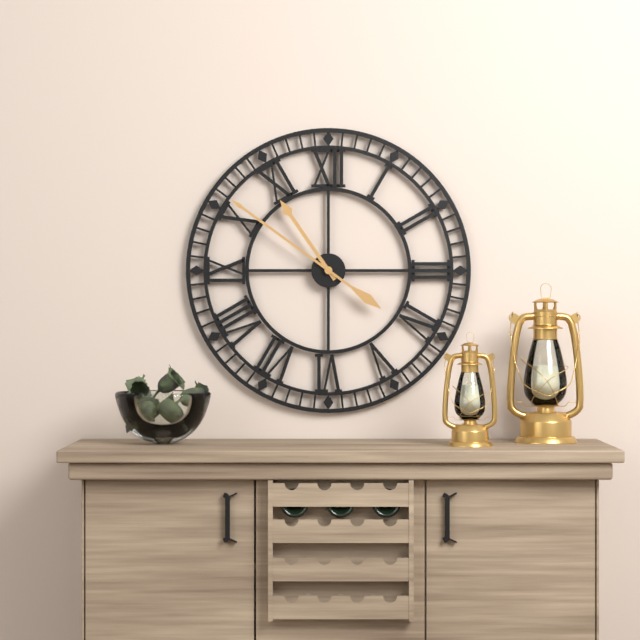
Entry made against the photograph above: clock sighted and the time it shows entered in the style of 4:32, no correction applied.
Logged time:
10:51
